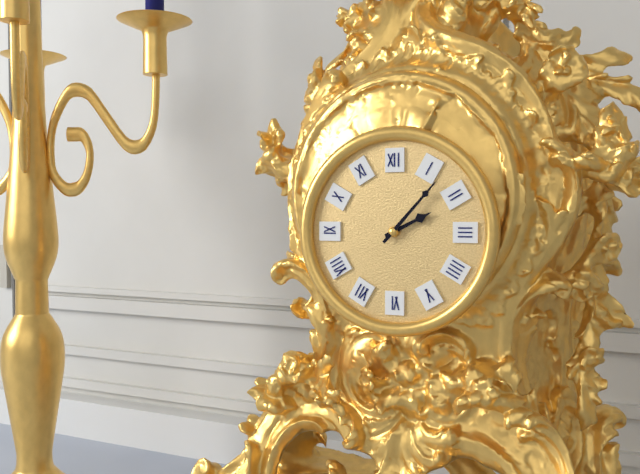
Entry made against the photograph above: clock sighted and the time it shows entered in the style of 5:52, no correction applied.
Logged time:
2:07
